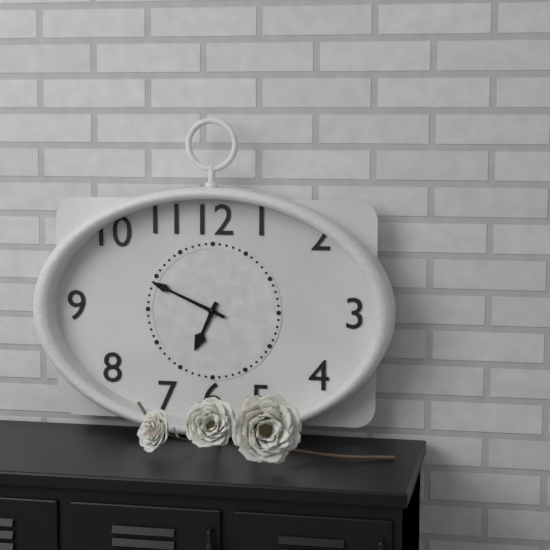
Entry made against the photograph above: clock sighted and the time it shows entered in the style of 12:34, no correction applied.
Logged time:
6:49
